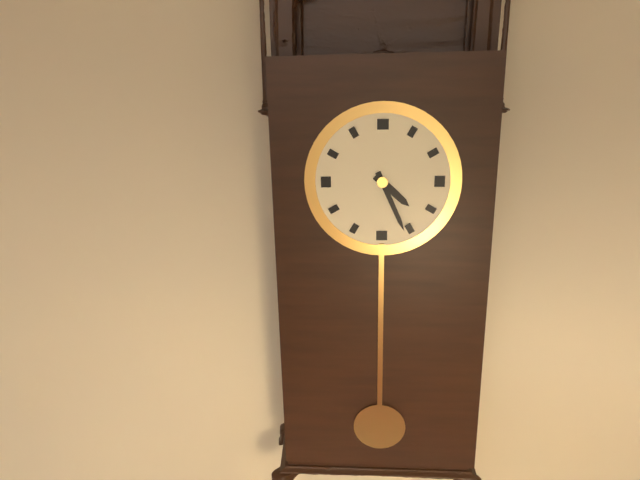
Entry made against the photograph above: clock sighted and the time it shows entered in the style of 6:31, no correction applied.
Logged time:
4:26
